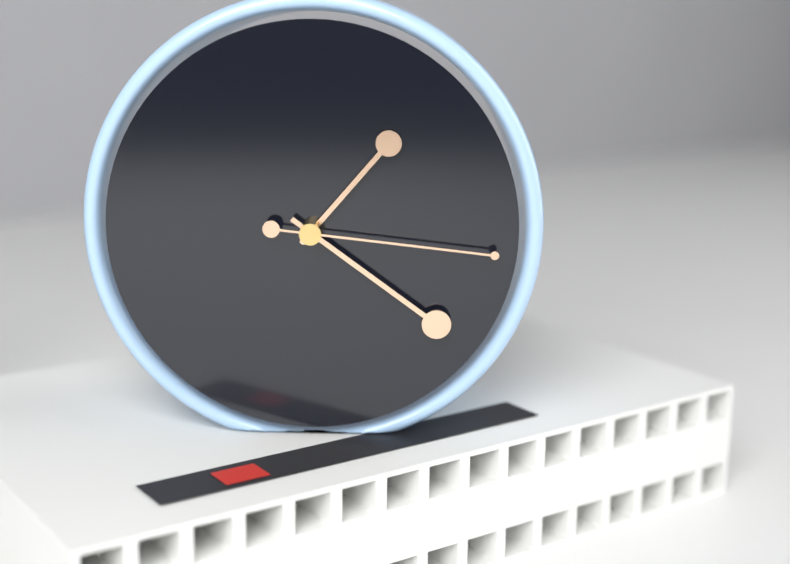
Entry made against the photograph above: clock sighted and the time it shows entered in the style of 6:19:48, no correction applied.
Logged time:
1:21:16
